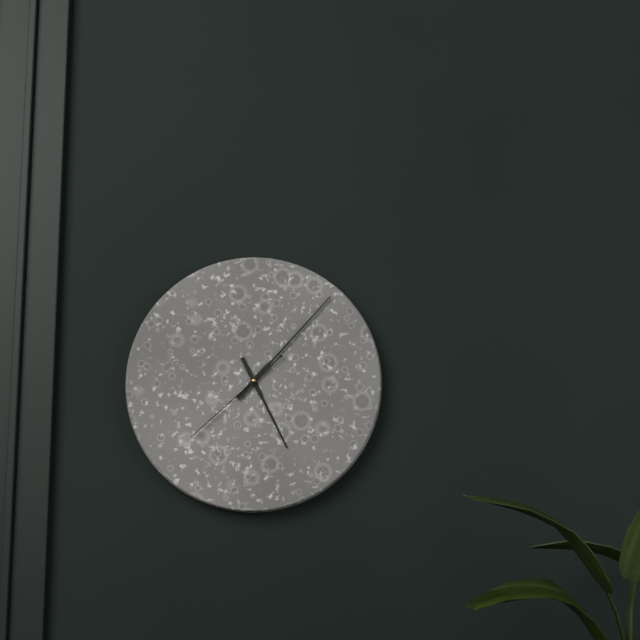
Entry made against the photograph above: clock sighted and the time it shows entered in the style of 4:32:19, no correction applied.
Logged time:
5:07:38
